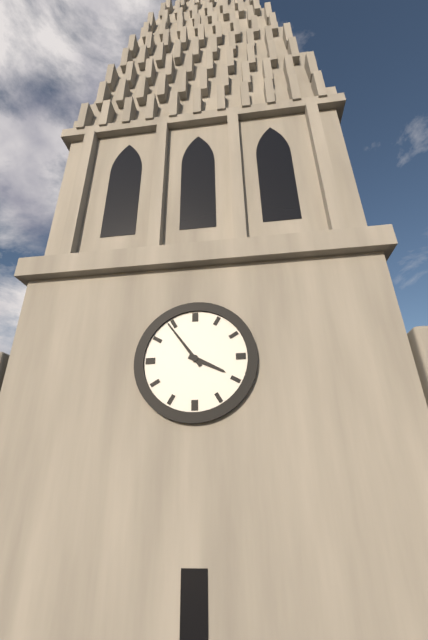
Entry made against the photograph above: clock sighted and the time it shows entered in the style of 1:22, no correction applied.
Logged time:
3:54
